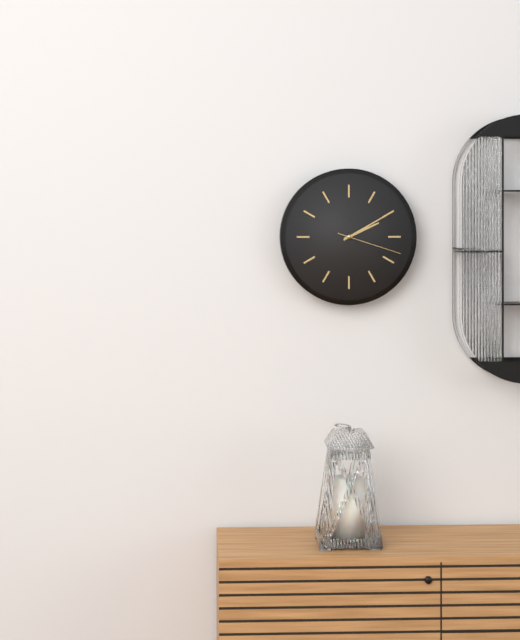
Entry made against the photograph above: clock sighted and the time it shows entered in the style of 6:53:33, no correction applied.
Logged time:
2:10:18
